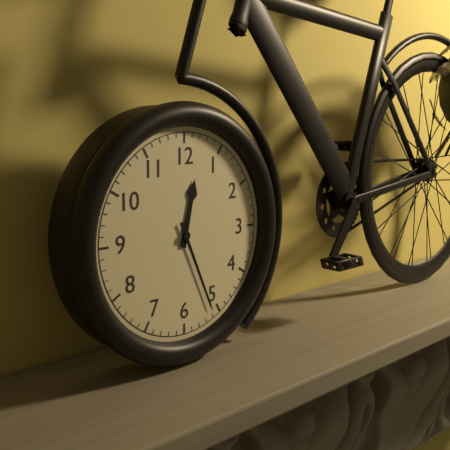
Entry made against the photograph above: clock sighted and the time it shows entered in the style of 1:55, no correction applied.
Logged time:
12:26
